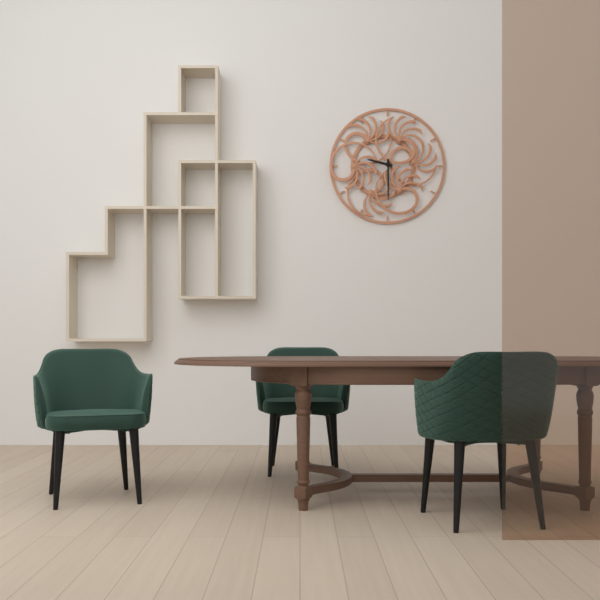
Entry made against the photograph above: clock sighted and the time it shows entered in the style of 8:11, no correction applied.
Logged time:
9:30
